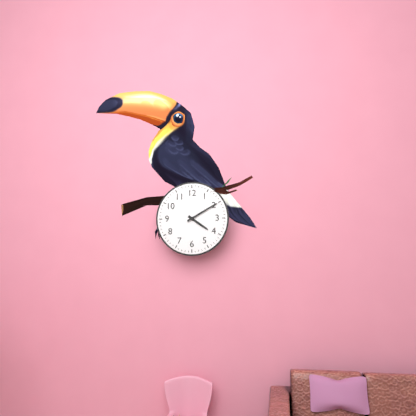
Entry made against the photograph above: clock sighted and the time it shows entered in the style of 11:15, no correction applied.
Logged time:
4:10
